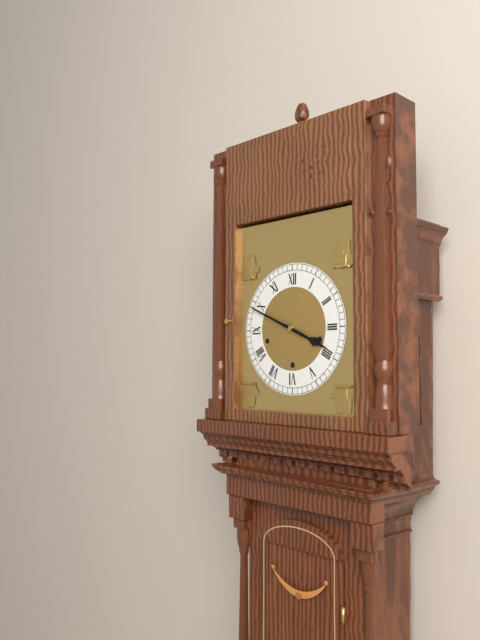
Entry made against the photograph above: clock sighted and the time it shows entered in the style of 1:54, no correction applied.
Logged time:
3:49
